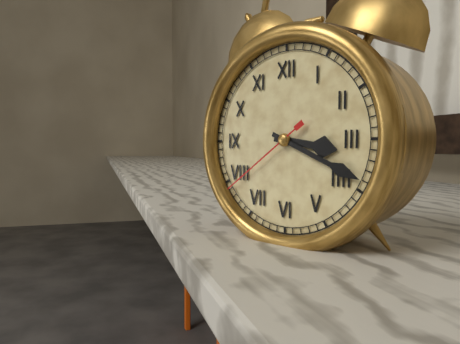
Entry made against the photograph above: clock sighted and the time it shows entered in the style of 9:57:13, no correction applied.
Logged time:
3:19:39
